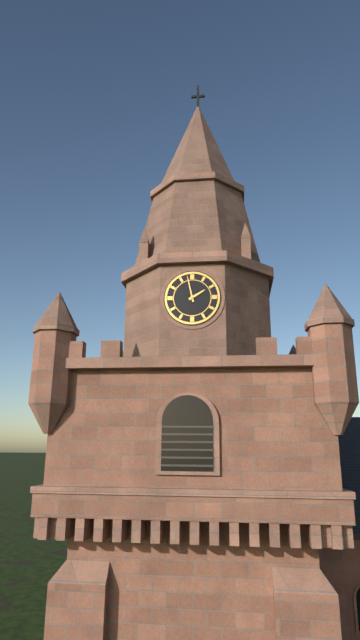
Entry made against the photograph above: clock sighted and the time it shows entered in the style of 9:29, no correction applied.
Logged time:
1:58
